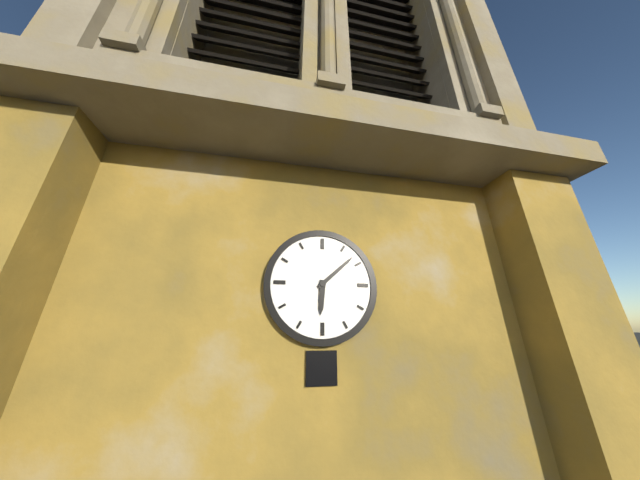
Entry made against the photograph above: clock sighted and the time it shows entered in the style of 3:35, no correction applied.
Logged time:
6:08
